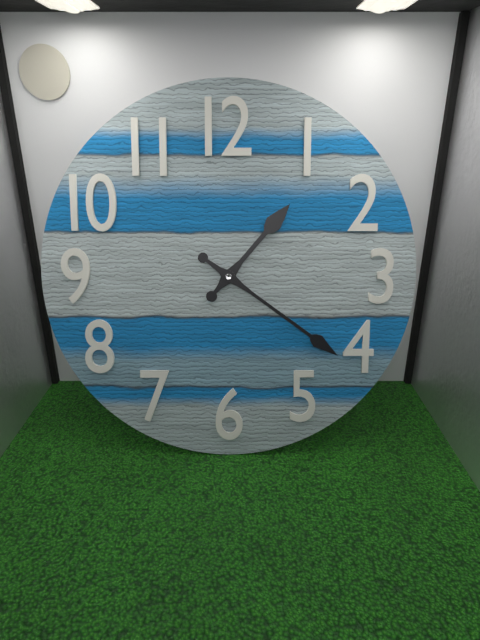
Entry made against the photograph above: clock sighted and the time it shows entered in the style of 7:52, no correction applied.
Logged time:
1:21
